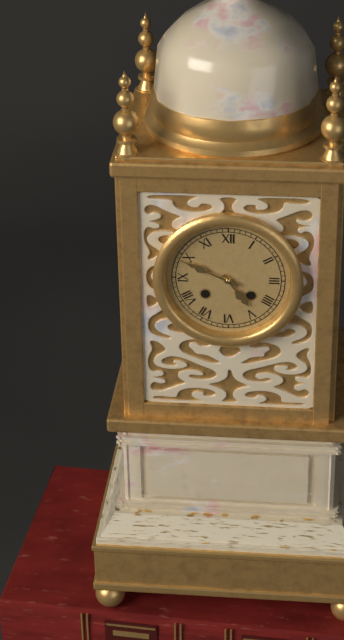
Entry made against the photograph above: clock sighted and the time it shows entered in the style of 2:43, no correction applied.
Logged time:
4:49
